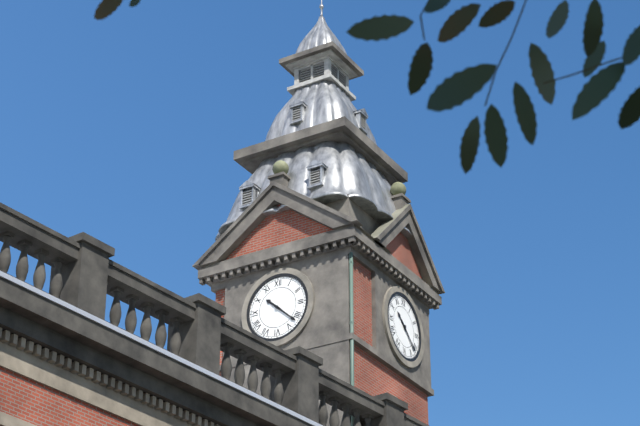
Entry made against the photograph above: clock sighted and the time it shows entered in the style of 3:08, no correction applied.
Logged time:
10:22
